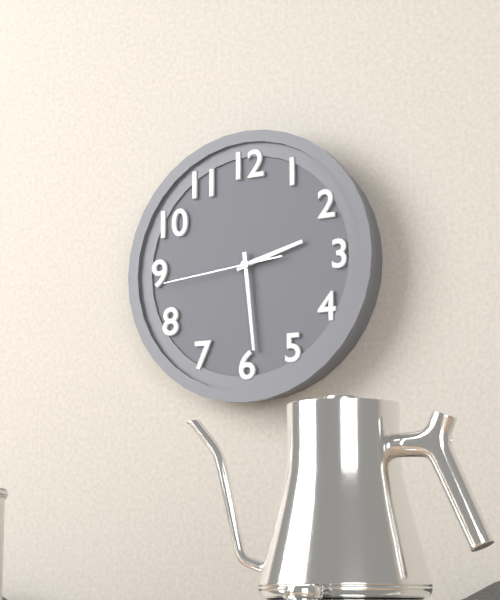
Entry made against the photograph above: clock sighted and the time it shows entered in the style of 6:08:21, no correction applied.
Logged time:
2:29:44
